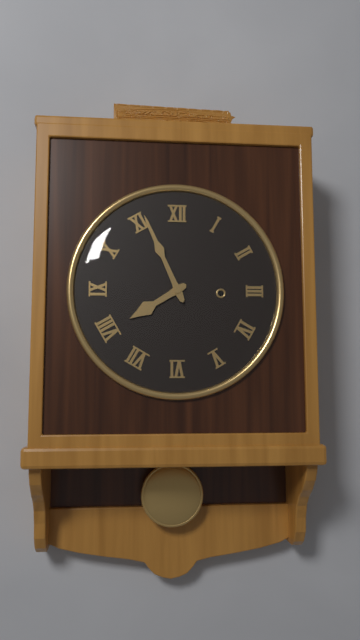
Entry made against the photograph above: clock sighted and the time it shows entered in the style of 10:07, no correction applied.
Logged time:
7:56
